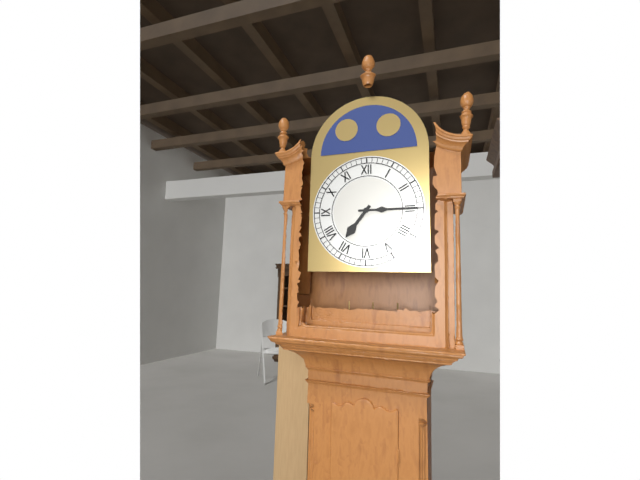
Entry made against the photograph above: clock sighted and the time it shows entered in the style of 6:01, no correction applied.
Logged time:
7:15
